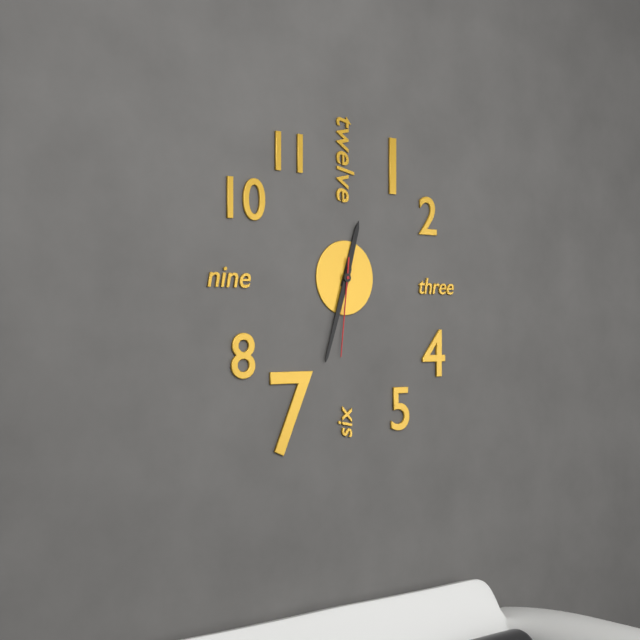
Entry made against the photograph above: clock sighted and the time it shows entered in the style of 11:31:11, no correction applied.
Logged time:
12:33:31
